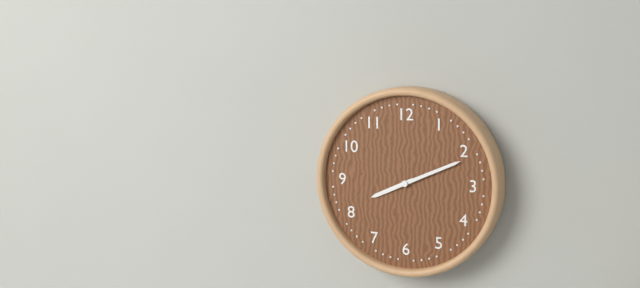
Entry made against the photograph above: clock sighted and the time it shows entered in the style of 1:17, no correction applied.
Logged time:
8:11
